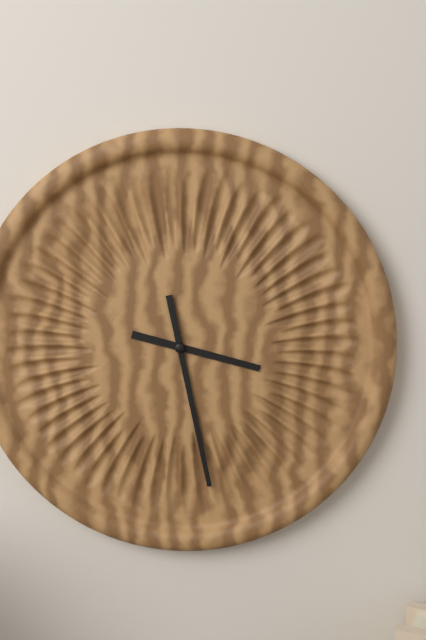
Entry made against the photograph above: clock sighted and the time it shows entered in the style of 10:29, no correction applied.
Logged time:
3:28
